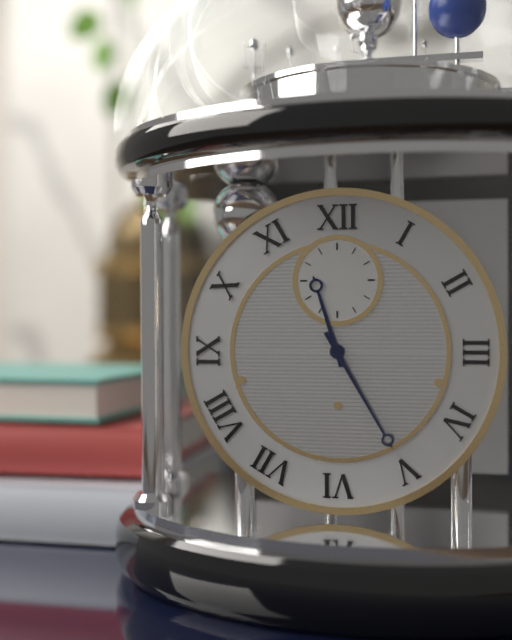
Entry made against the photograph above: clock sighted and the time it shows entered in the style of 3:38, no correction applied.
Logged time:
11:25
